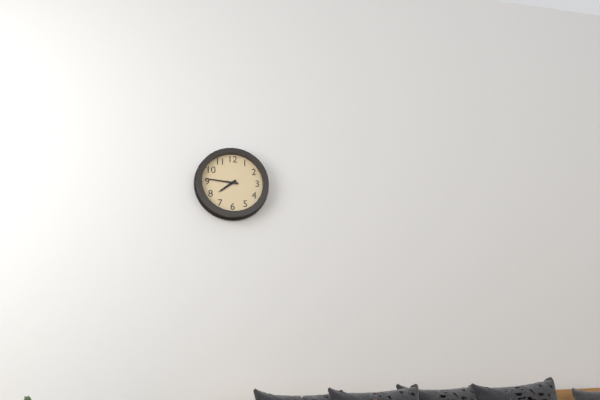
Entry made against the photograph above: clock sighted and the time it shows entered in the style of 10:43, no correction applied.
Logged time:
7:46
